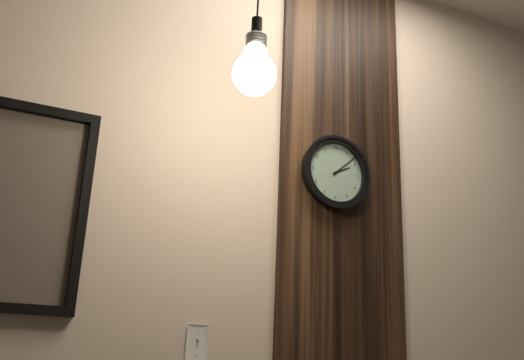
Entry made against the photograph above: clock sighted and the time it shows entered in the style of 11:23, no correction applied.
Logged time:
2:08
